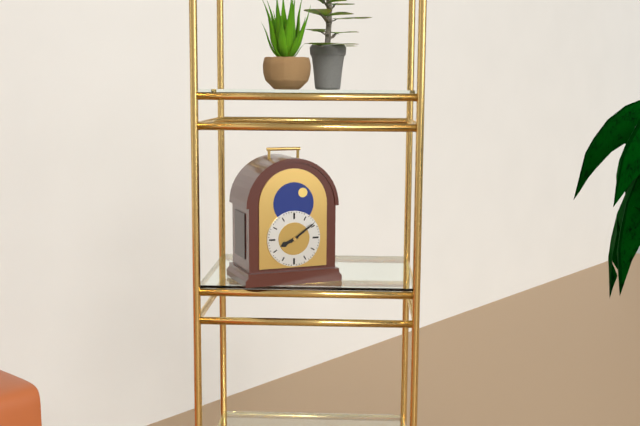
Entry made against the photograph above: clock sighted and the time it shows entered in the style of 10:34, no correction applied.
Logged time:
8:09
